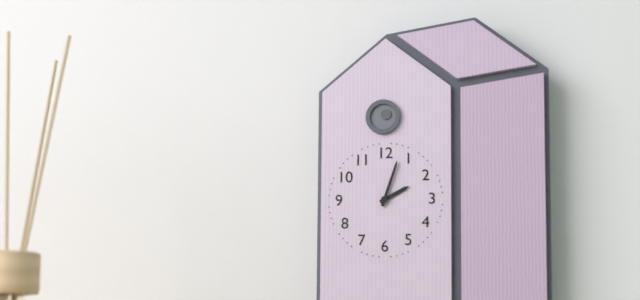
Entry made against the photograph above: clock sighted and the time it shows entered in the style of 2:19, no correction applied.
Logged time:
2:03
